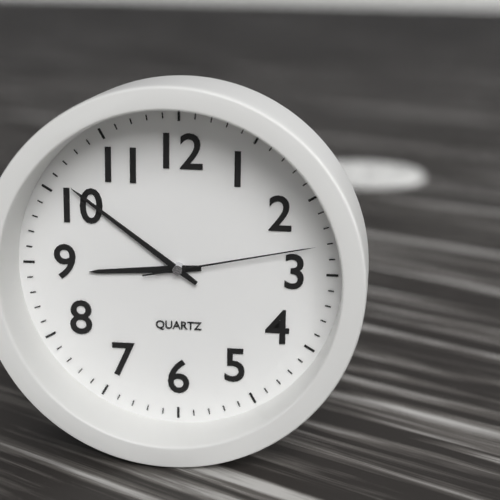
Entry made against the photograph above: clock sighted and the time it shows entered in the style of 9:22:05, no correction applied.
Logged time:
8:51:13
